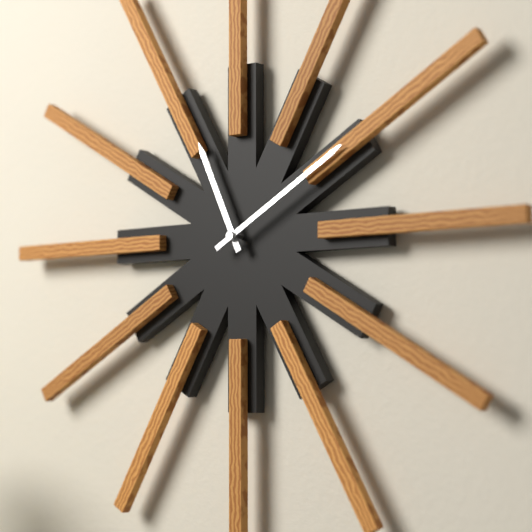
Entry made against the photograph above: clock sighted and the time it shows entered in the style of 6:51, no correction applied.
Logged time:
11:10
